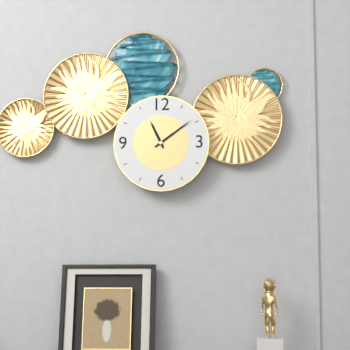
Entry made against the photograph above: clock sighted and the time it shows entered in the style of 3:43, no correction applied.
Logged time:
11:09
